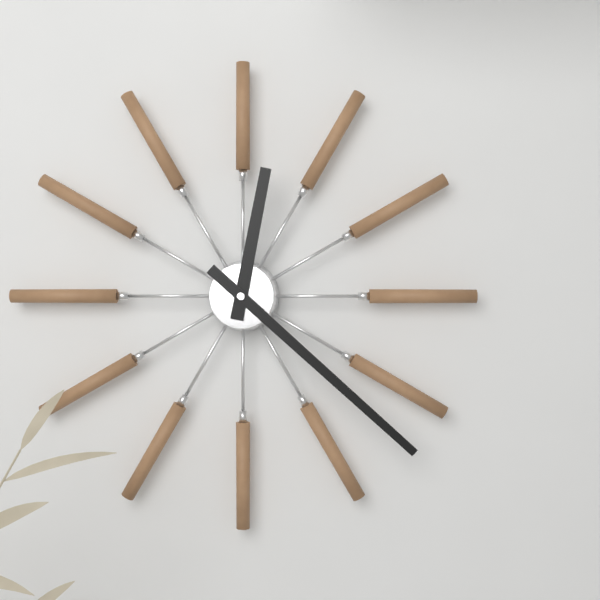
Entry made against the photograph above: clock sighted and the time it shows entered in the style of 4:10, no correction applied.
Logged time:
12:22
